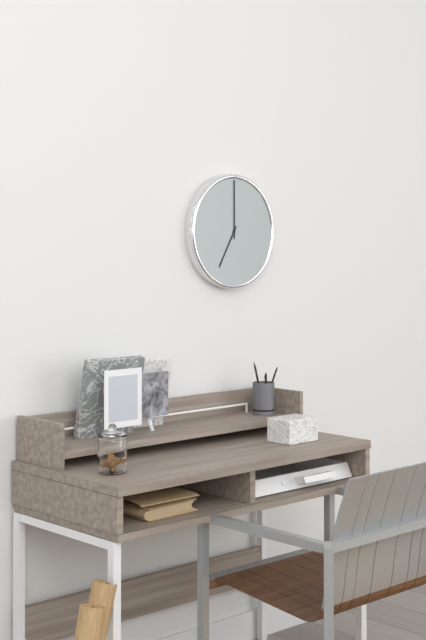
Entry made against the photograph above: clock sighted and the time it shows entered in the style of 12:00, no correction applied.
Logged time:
7:00
